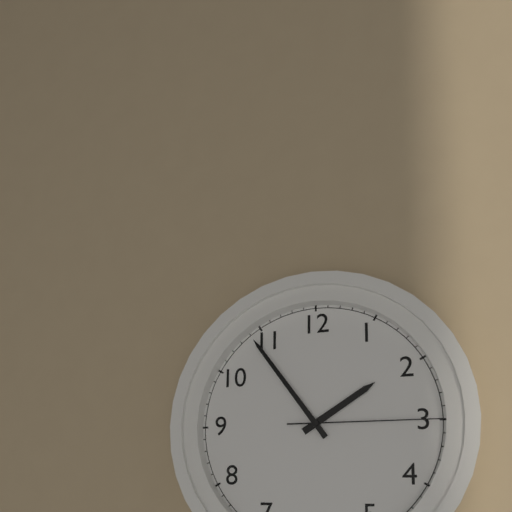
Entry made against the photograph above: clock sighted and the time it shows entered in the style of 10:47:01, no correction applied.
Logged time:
1:54:15
